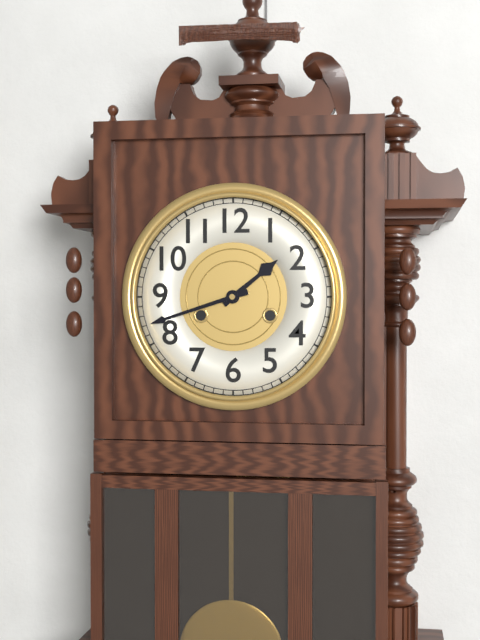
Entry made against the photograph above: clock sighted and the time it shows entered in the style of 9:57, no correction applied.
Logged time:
1:42
